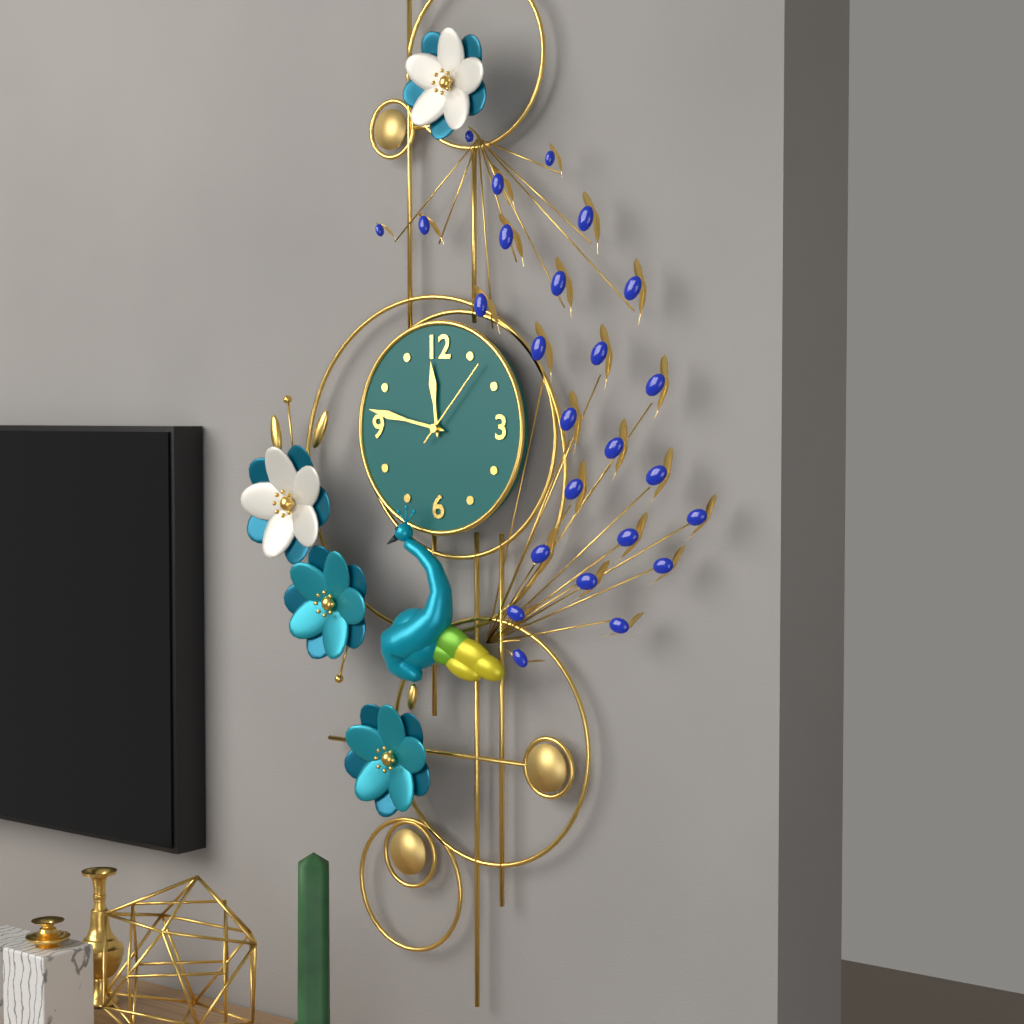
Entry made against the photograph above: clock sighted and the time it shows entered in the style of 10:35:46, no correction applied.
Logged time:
11:47:07
